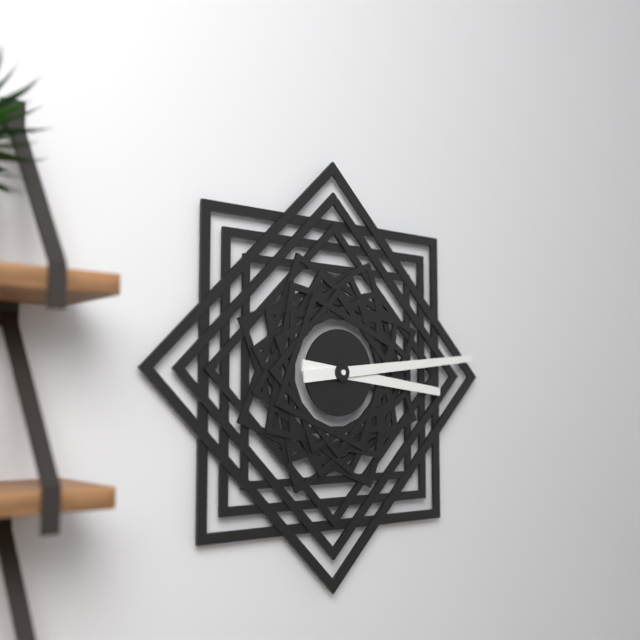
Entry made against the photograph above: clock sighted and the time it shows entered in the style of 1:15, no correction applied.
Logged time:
3:14
